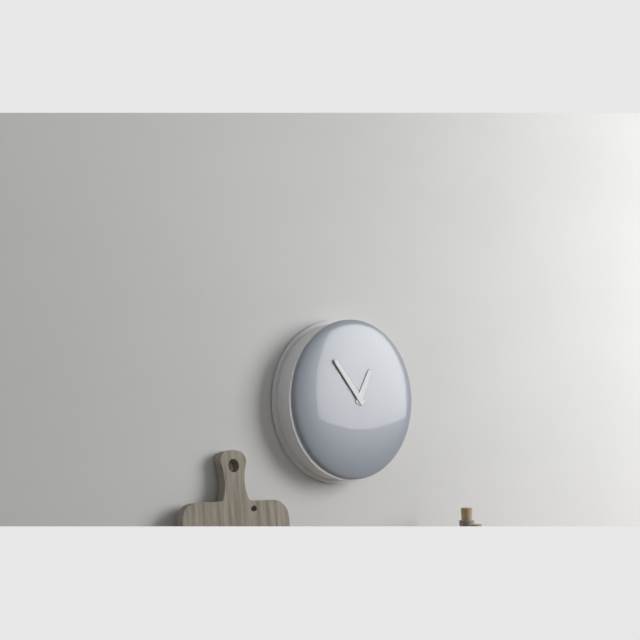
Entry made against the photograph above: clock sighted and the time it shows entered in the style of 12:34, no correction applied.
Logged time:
12:53
